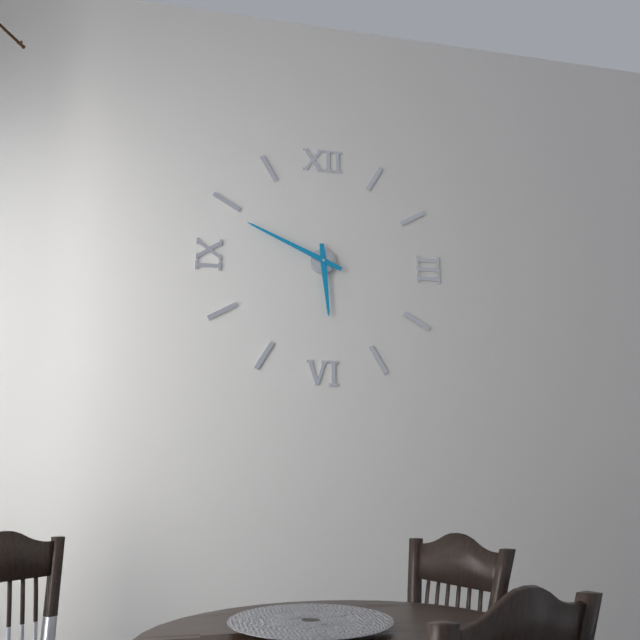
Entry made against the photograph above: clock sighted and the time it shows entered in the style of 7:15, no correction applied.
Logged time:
5:49
